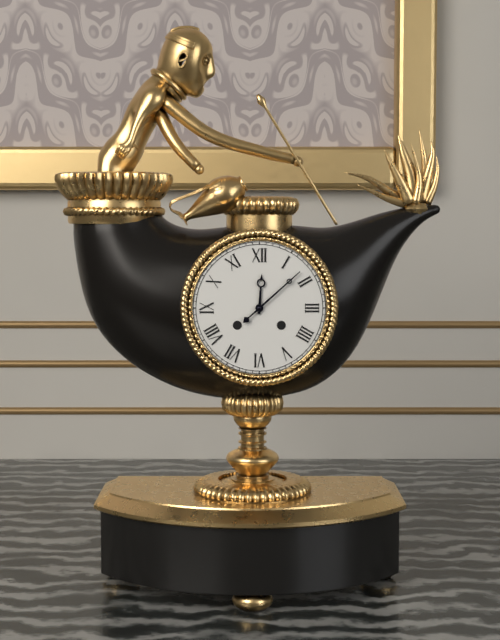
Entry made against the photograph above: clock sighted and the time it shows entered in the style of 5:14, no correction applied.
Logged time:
12:08
